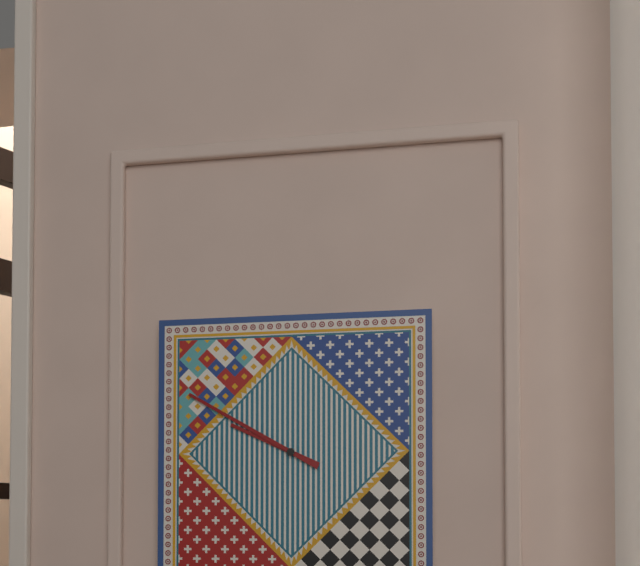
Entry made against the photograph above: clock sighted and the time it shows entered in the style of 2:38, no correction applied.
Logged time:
9:50
